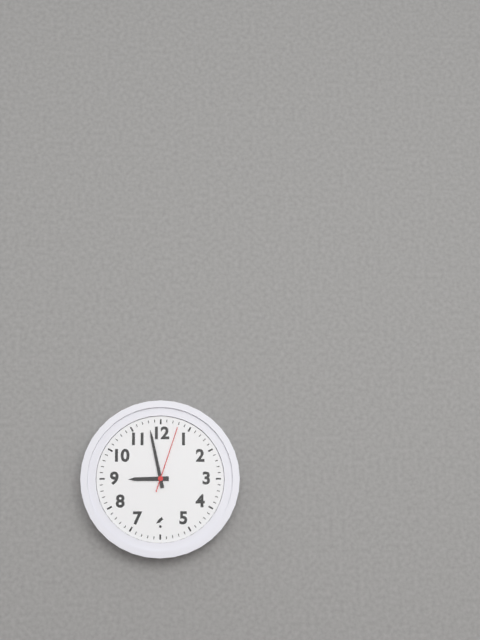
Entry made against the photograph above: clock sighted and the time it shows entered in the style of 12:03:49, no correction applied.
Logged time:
8:58:03
